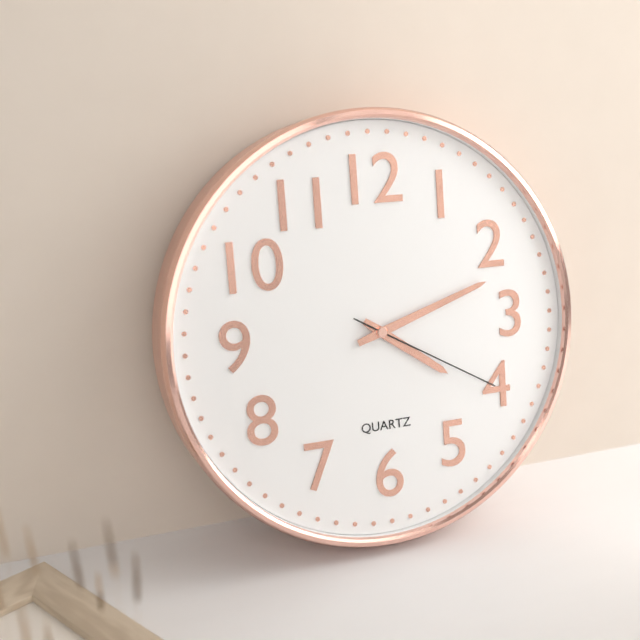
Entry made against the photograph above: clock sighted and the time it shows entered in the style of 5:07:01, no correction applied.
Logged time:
4:12:20
